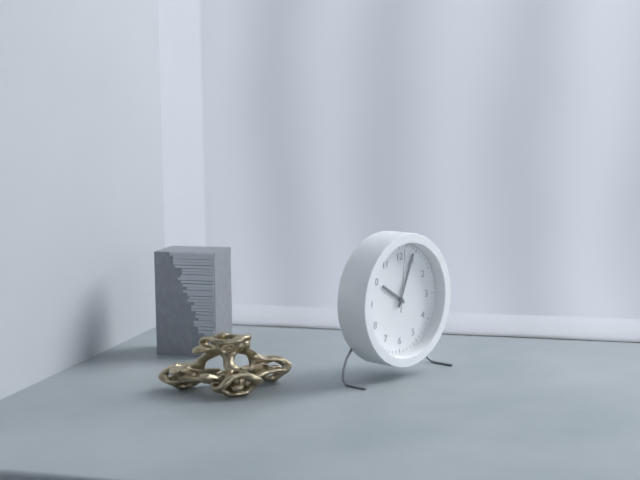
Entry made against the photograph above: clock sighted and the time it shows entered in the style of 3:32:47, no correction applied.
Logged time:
10:04:01
